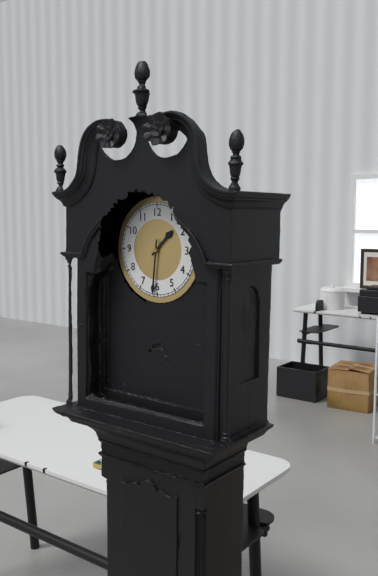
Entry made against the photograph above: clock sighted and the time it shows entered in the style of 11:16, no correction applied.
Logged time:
1:31
